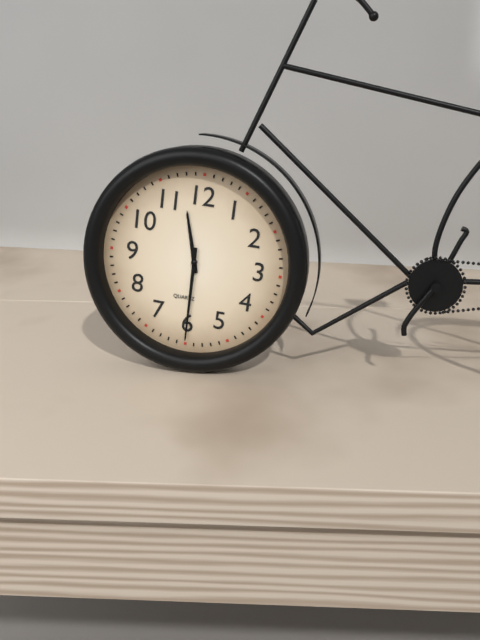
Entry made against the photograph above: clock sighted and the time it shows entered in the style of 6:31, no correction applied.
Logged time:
11:30
